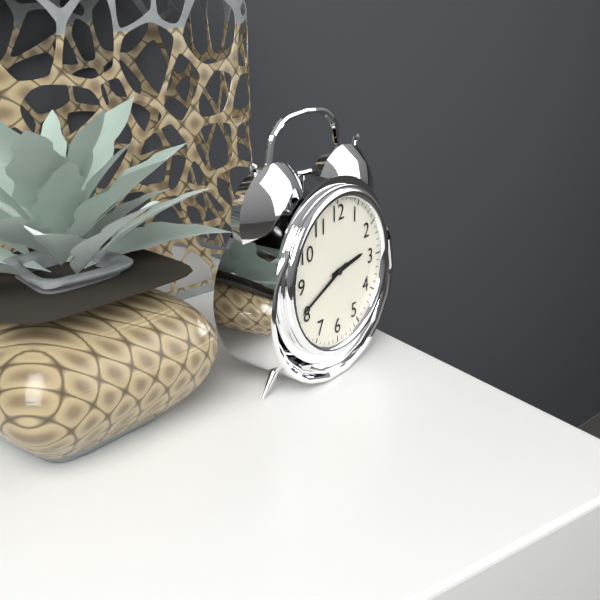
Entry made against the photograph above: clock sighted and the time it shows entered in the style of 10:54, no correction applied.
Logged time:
2:41
